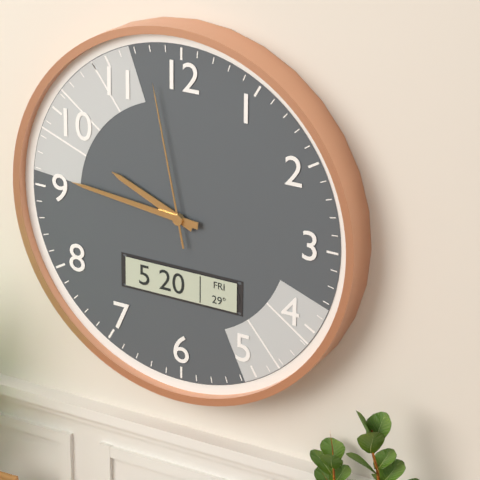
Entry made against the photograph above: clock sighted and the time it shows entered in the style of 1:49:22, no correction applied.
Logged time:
9:46:58
